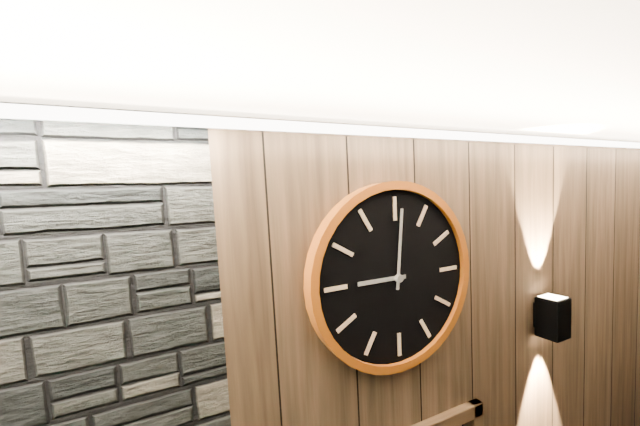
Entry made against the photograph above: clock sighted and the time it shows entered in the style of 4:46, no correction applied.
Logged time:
9:01
